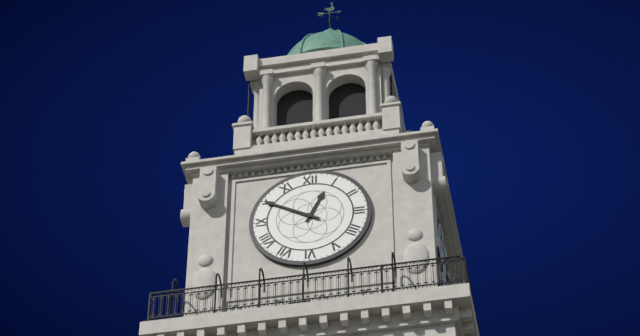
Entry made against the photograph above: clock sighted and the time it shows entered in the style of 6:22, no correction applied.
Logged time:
12:50
